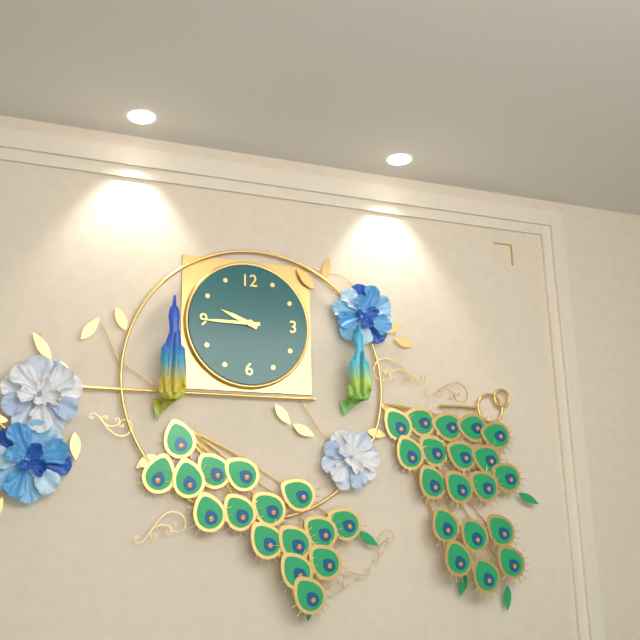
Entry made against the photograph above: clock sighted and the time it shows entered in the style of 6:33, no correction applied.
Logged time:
9:45
